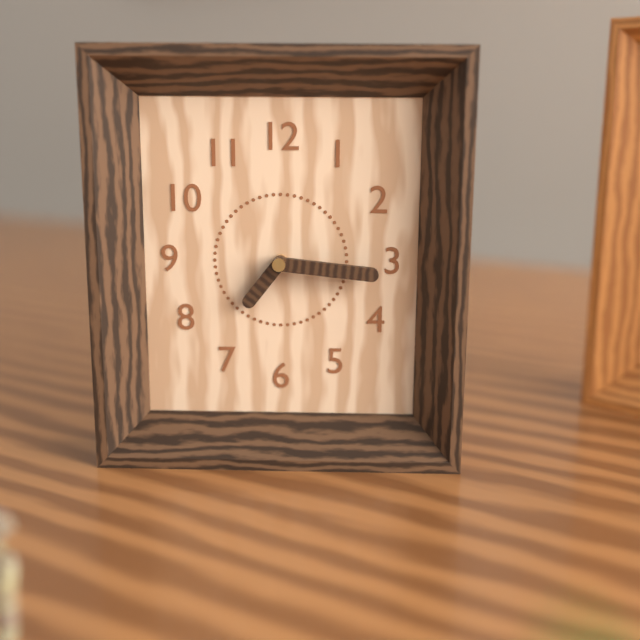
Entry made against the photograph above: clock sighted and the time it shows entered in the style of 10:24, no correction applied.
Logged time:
7:16
